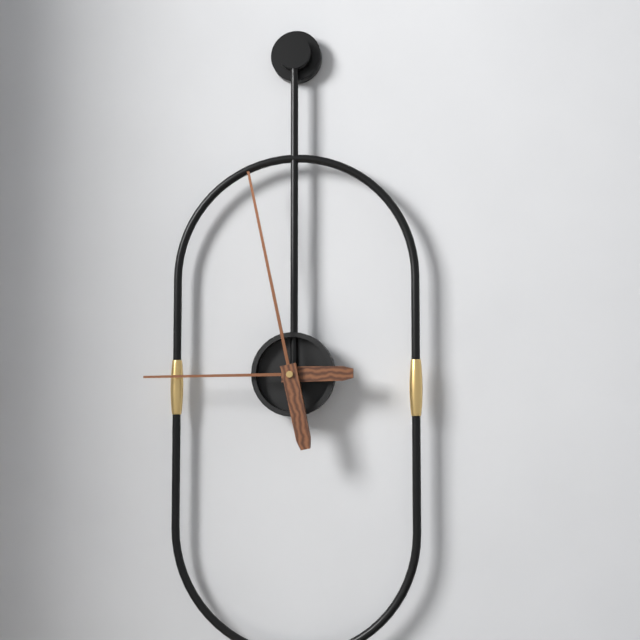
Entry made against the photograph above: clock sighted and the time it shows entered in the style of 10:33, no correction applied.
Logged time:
8:58
